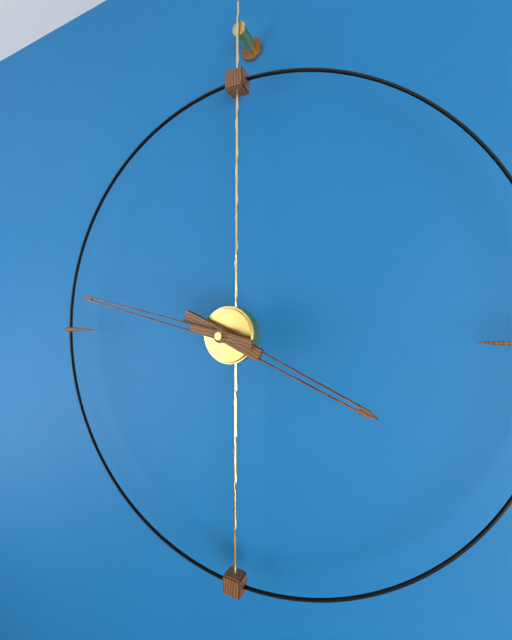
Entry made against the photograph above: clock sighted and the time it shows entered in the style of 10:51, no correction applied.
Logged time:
3:47
